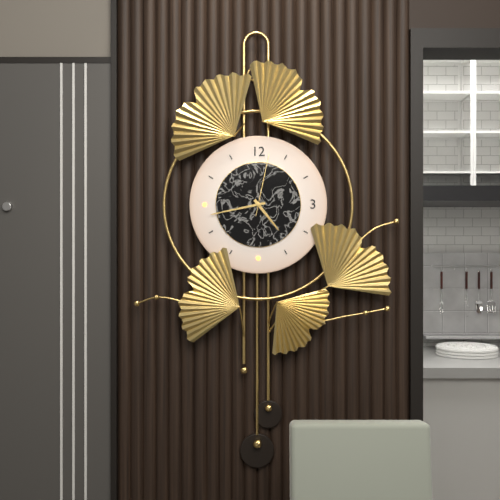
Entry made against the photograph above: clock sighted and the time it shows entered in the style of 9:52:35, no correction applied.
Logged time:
4:43:02
